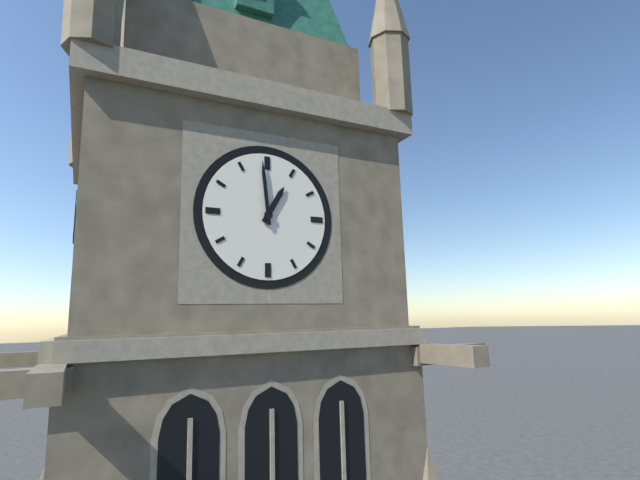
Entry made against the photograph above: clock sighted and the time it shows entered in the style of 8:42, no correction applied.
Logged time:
12:59
